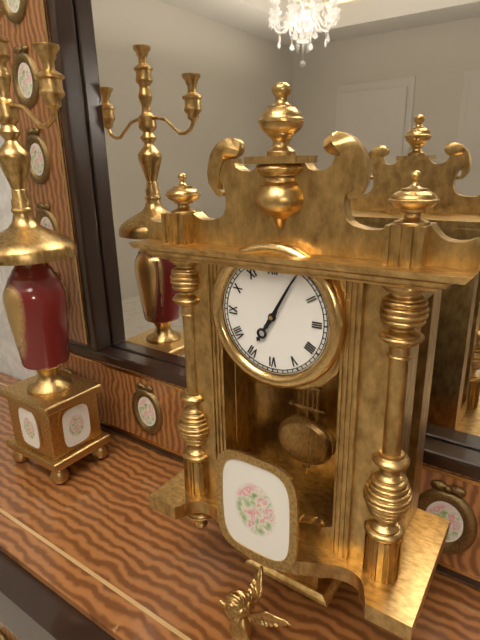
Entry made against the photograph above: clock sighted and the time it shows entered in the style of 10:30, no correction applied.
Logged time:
7:05
